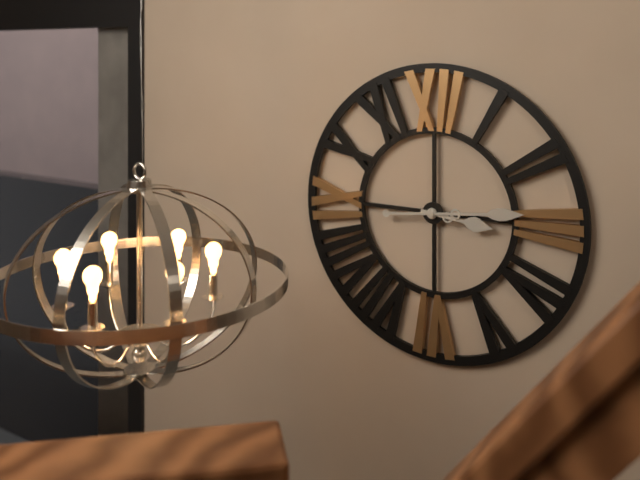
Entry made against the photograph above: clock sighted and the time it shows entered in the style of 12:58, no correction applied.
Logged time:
3:14
